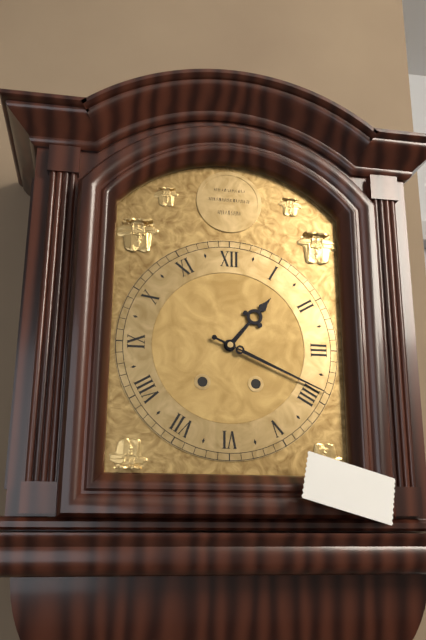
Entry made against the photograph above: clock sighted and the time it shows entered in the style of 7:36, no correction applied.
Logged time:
1:19
